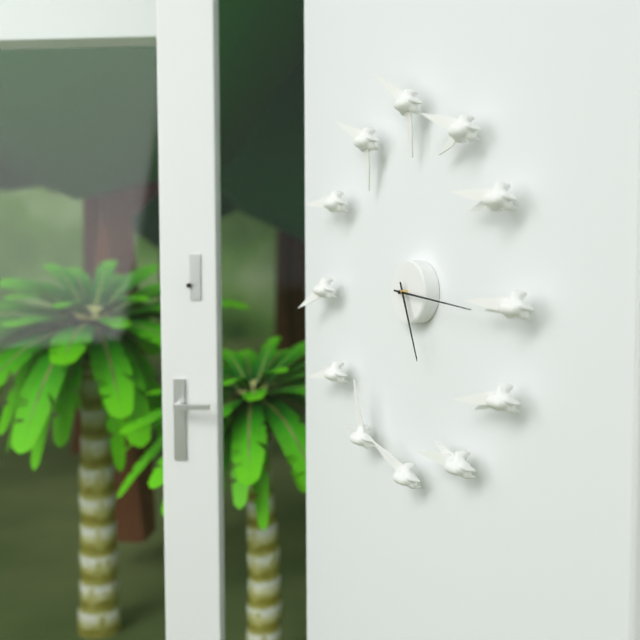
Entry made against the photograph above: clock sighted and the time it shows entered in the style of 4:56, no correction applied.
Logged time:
5:16
